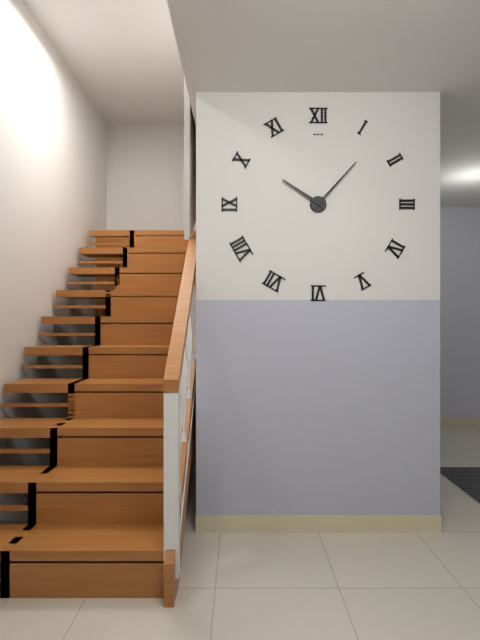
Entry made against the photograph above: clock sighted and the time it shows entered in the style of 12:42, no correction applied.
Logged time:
10:07
